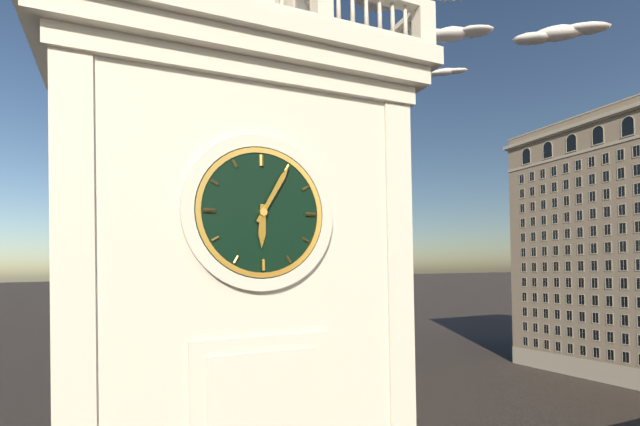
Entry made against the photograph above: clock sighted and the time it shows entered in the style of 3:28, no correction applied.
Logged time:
6:05
